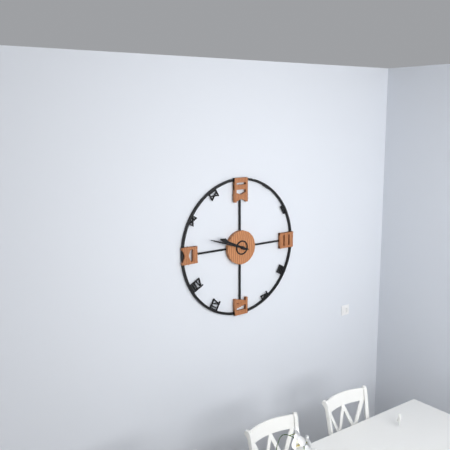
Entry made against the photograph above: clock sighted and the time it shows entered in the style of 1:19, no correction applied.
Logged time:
9:48
